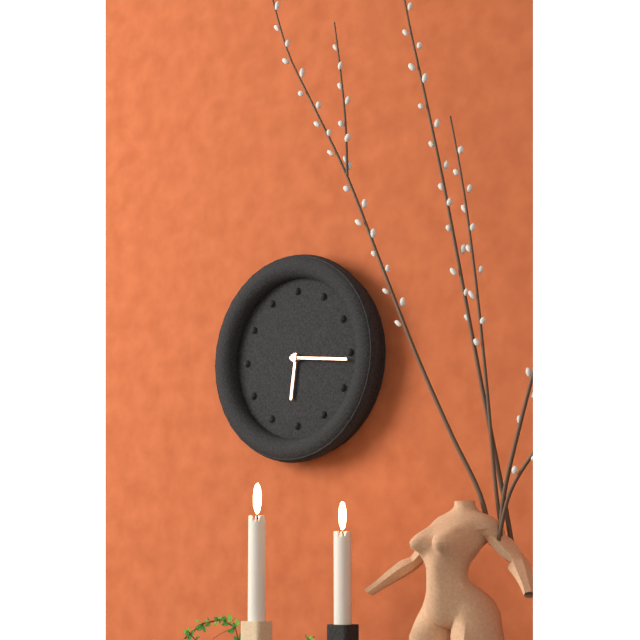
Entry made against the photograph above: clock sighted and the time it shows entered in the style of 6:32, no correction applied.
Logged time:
6:16
